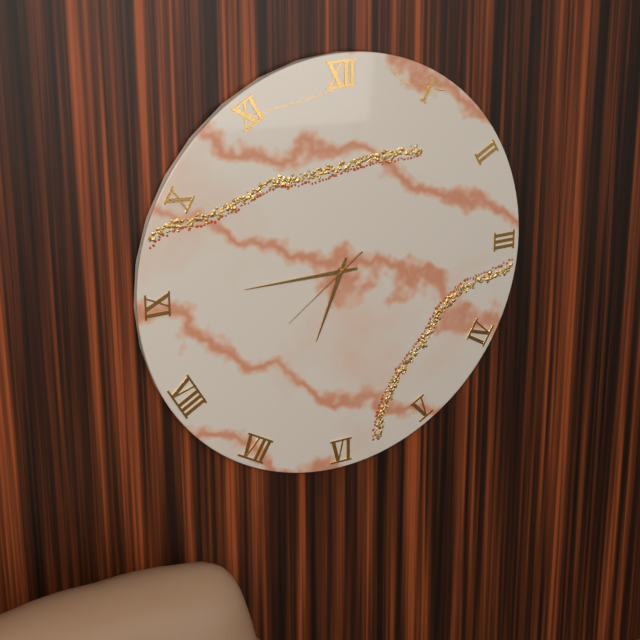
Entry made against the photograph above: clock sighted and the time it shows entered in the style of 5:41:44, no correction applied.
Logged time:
6:45:39
